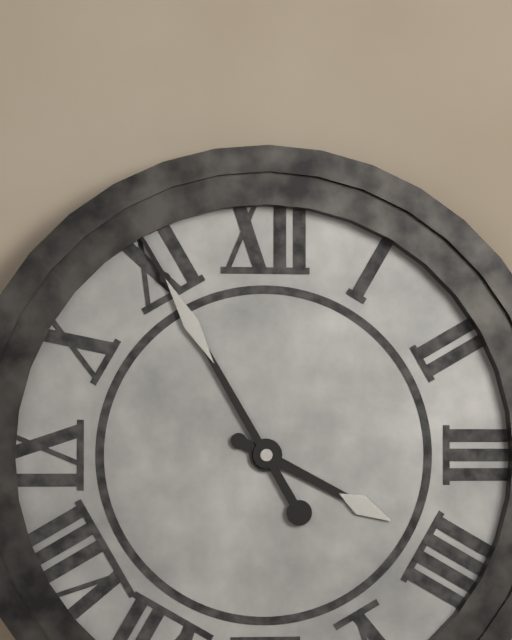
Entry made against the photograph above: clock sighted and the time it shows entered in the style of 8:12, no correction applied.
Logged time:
3:55
